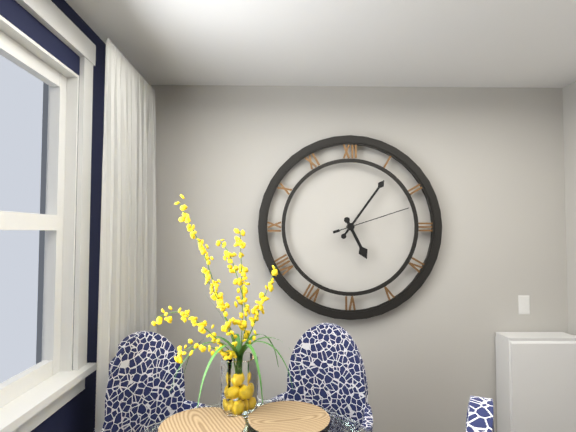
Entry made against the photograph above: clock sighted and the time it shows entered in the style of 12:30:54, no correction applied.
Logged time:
5:06:12
